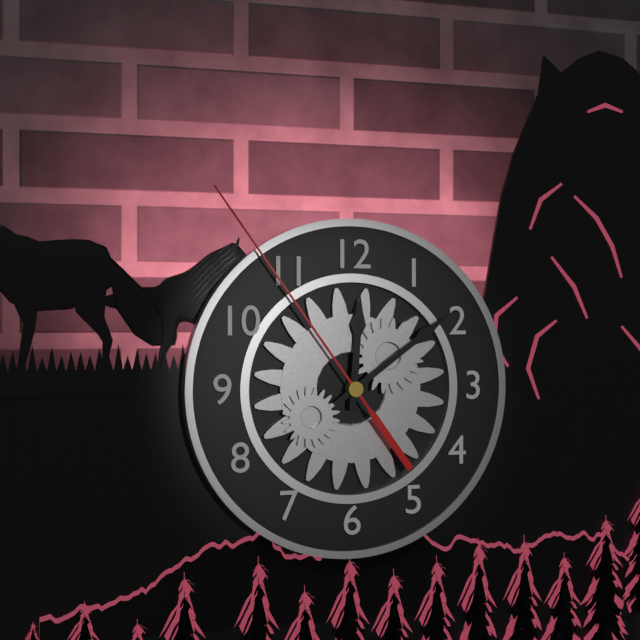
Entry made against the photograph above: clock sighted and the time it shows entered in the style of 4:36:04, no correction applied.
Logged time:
12:09:54
